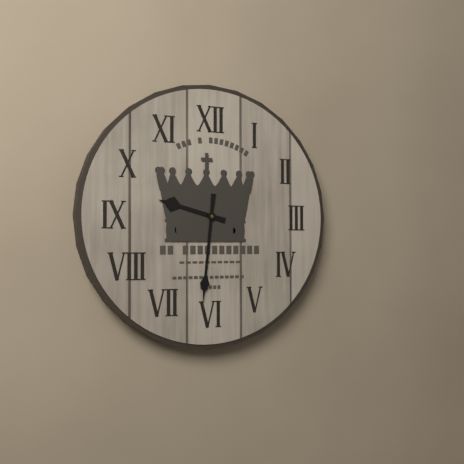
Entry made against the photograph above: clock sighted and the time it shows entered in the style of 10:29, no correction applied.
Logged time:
9:31
